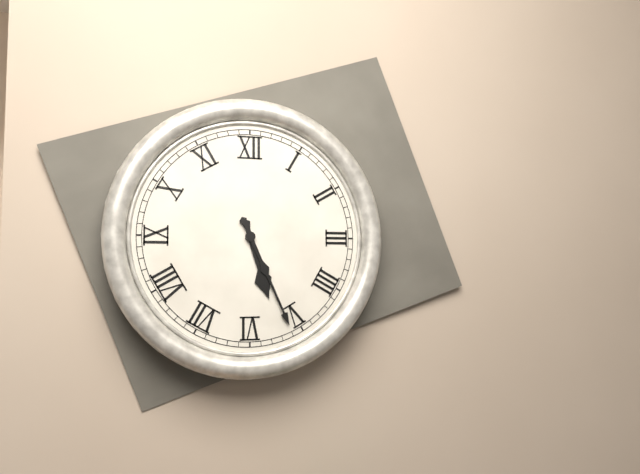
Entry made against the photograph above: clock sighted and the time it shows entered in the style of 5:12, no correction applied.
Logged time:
5:26
